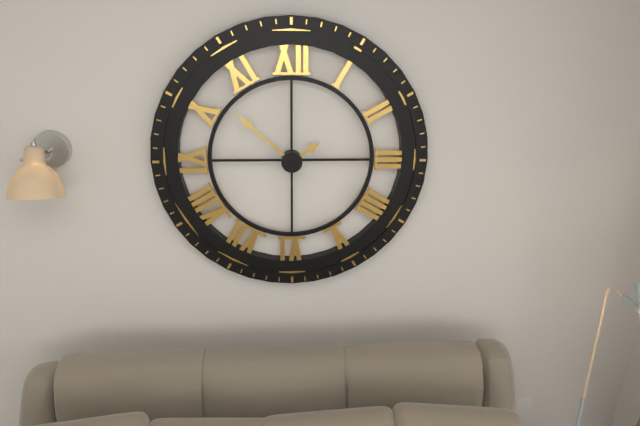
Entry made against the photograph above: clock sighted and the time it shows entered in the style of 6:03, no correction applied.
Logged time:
1:52
